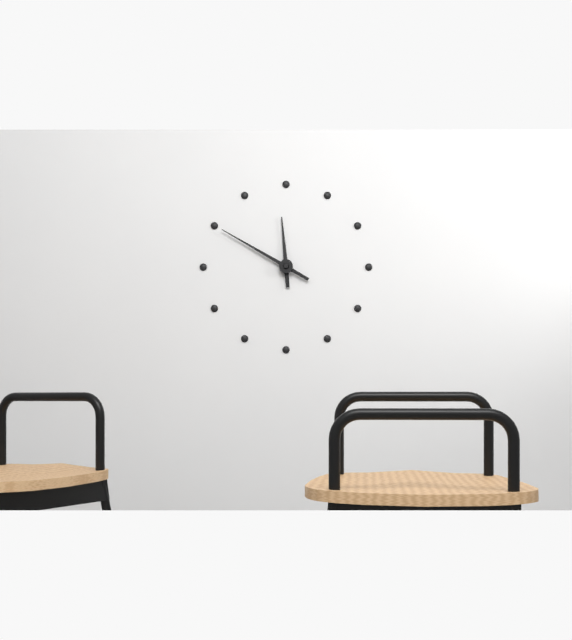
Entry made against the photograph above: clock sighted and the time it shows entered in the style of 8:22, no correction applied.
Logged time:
11:50
